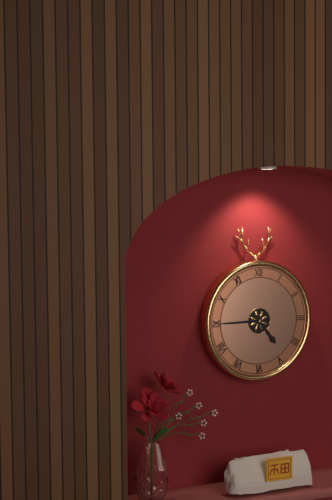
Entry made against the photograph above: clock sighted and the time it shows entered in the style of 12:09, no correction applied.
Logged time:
4:45
